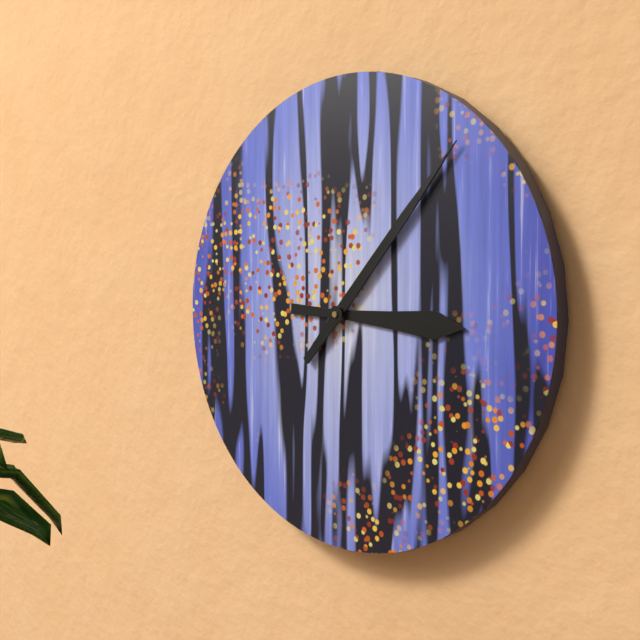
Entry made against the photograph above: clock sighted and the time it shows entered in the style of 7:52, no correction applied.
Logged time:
3:07
